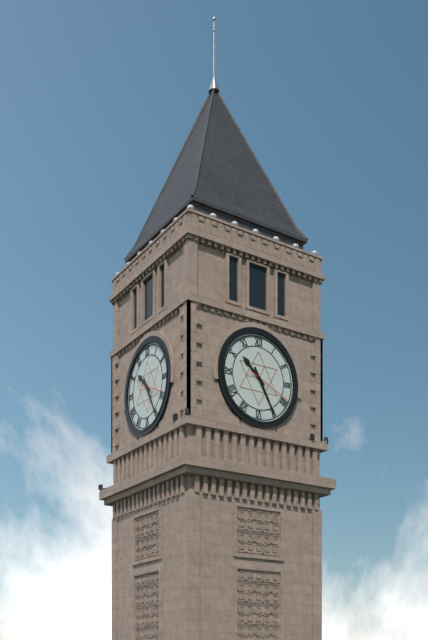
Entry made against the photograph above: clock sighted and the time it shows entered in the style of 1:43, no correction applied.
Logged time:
10:25
